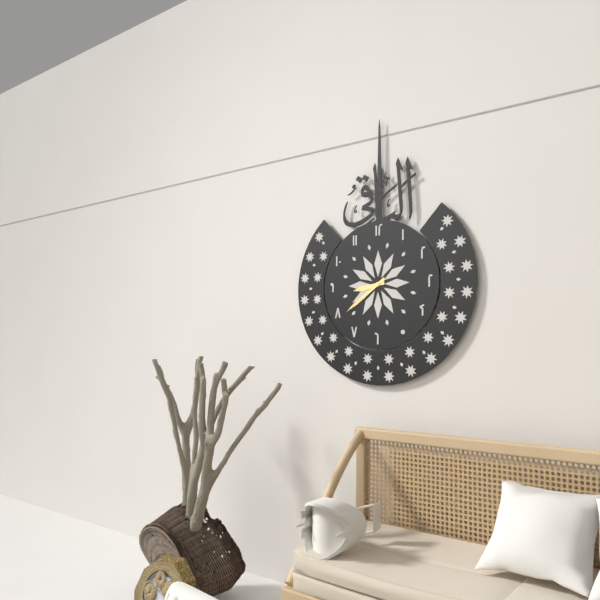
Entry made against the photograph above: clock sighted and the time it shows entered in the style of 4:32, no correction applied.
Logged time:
8:39
